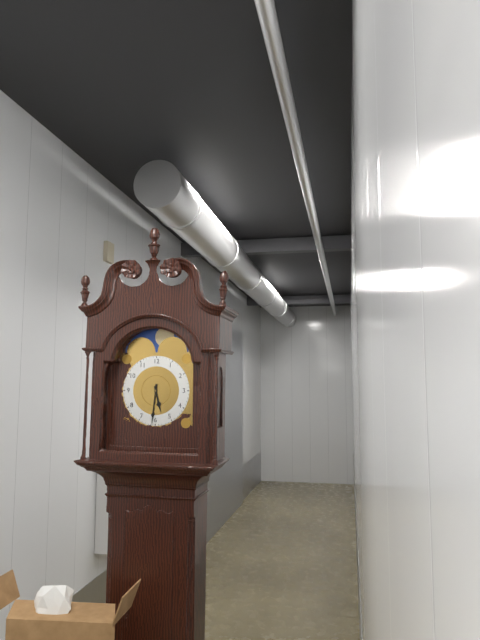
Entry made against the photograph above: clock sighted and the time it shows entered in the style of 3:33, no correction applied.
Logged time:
5:31
